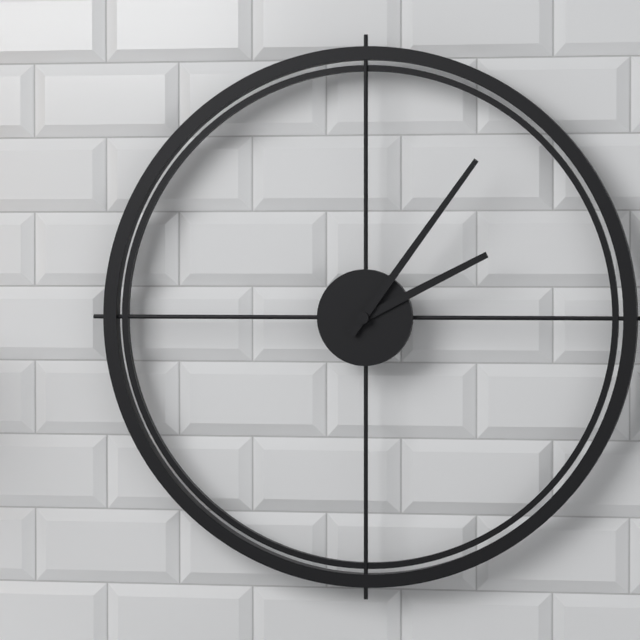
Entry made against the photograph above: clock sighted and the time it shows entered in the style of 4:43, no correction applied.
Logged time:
2:06
